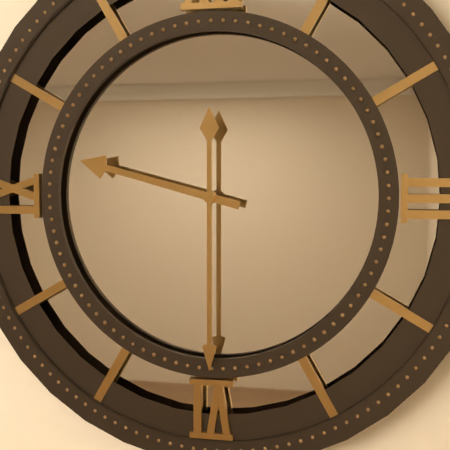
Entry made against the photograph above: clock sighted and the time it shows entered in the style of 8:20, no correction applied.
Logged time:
9:30
